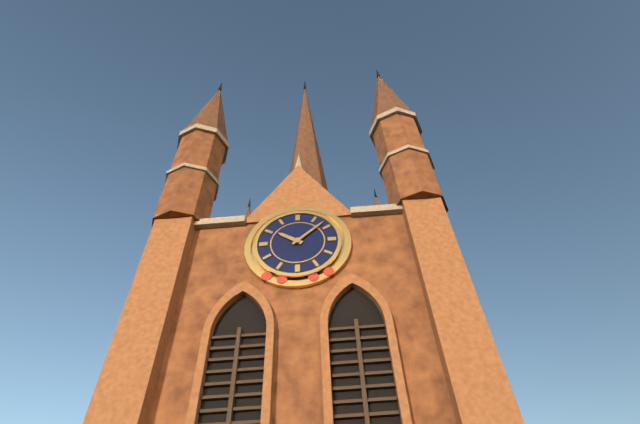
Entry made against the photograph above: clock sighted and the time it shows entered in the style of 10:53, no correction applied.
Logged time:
10:08
